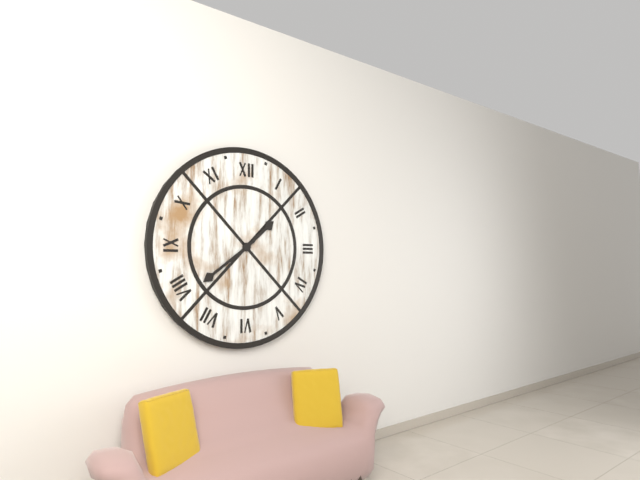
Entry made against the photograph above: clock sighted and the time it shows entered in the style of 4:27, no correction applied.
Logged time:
1:39
